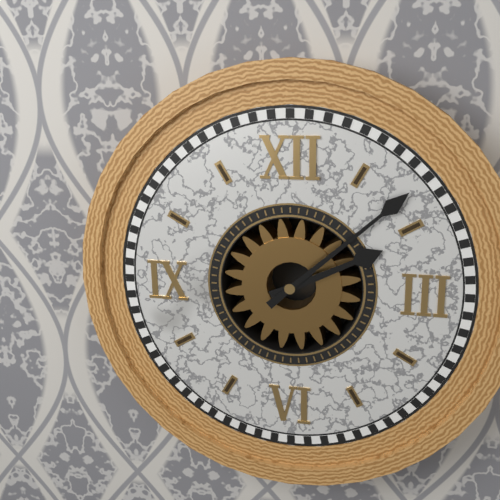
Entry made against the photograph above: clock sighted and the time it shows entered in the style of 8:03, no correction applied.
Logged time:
2:08
